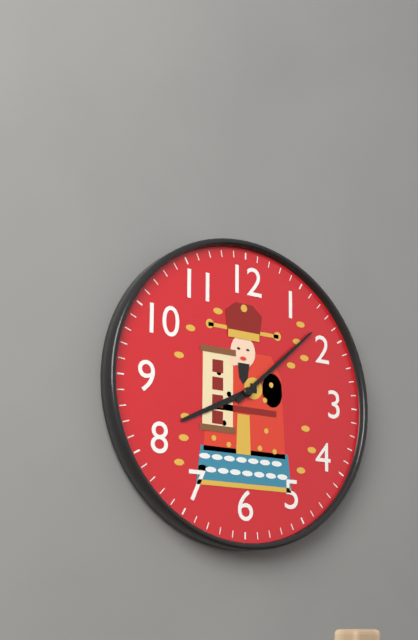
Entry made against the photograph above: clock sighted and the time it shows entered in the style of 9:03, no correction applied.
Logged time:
8:08
